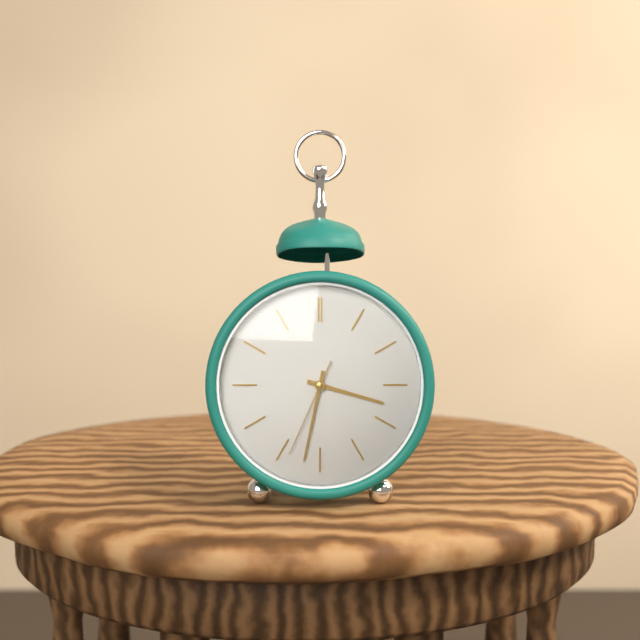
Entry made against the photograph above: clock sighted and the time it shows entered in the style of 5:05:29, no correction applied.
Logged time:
3:32:34
